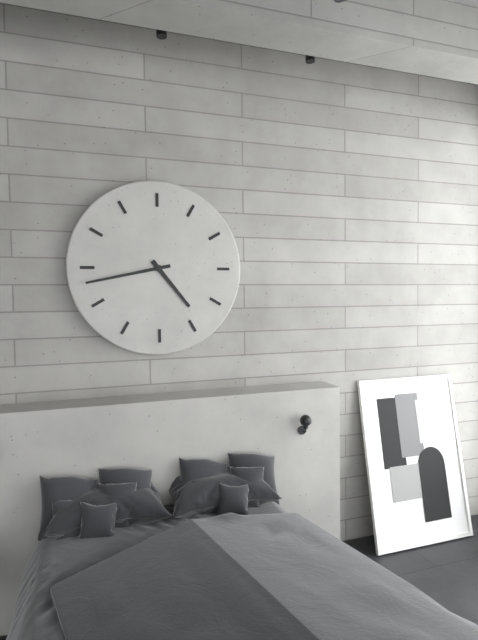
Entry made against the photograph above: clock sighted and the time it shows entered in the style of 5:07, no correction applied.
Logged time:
4:43
